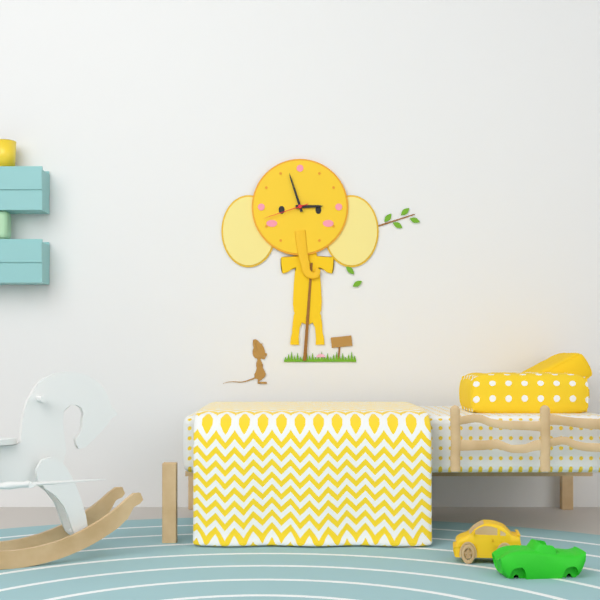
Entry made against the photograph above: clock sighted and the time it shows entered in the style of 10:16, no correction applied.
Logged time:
2:57
